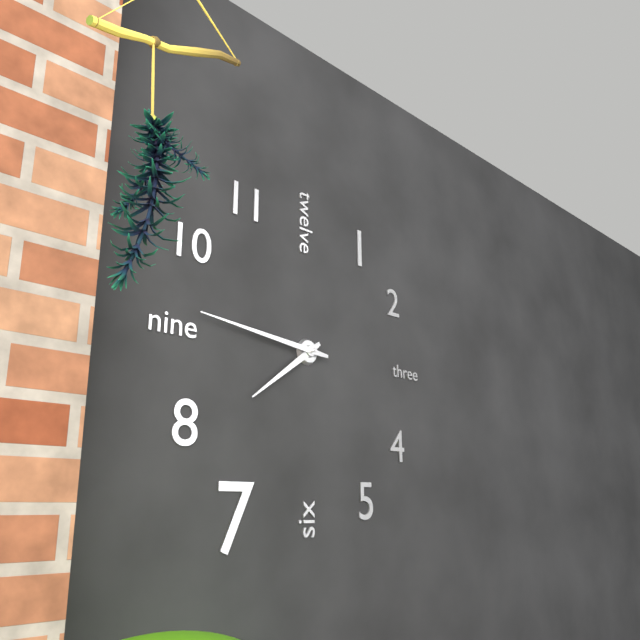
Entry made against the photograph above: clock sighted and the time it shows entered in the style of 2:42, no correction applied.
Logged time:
7:46
